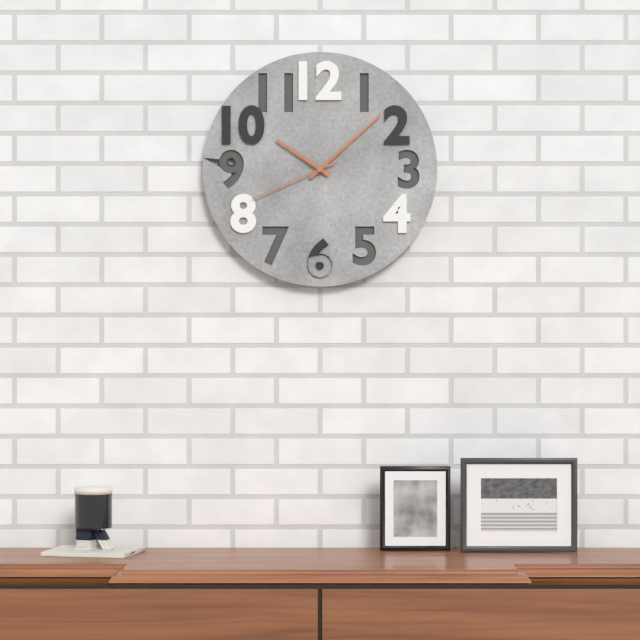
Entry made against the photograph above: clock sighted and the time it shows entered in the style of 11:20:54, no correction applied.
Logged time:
10:08:41
